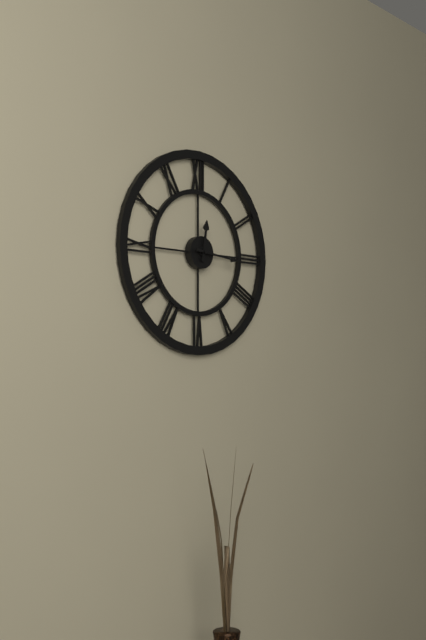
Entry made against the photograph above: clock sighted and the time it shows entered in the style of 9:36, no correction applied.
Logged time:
12:16
